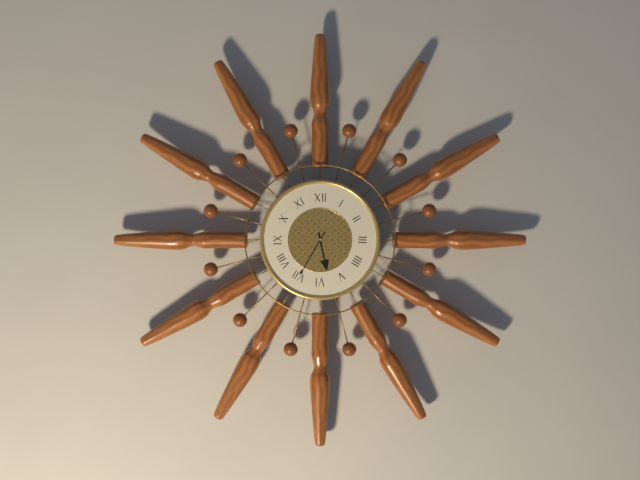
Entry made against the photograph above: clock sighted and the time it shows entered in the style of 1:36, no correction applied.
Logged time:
5:35
